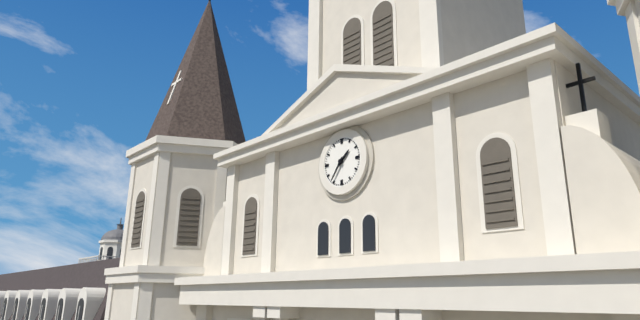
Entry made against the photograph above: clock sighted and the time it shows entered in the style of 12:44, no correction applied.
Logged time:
1:36
